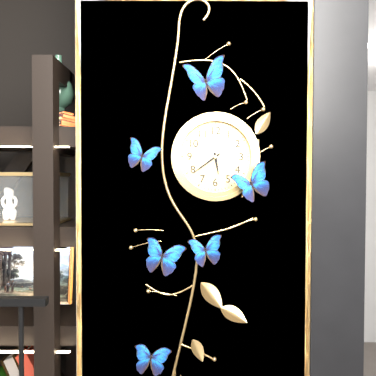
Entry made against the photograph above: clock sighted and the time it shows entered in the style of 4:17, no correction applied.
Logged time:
5:39
